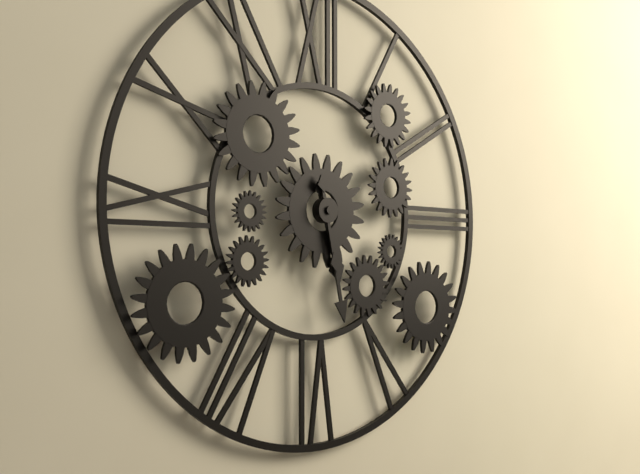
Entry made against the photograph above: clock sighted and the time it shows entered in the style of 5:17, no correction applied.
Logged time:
5:28
